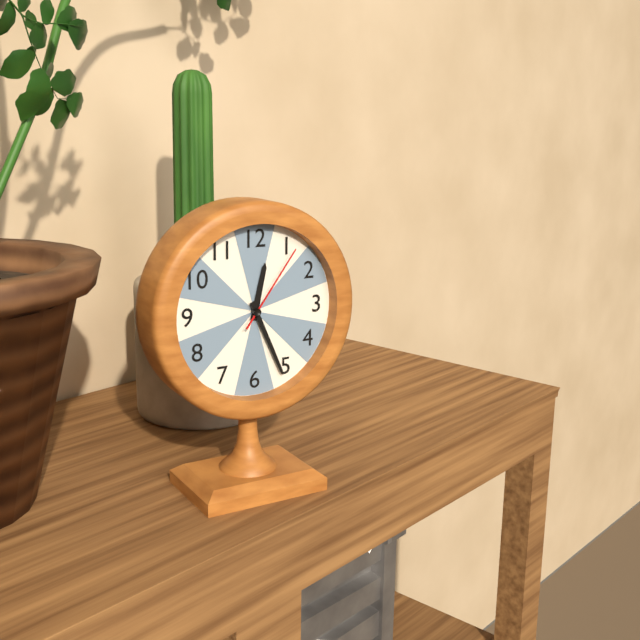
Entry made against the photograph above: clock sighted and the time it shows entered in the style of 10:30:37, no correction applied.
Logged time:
12:26:06
